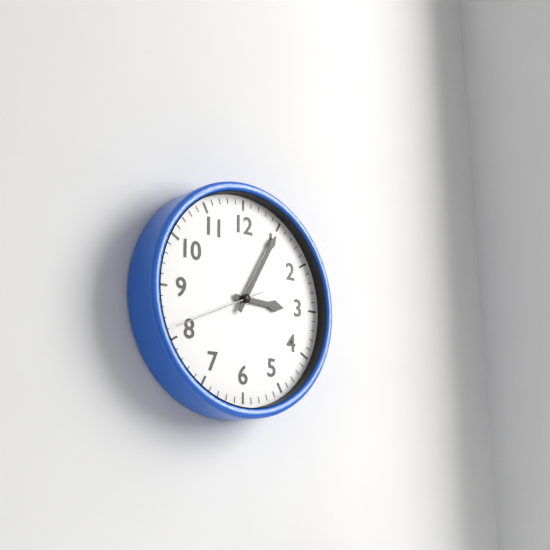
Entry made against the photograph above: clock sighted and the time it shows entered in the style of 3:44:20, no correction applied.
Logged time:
3:05:41
